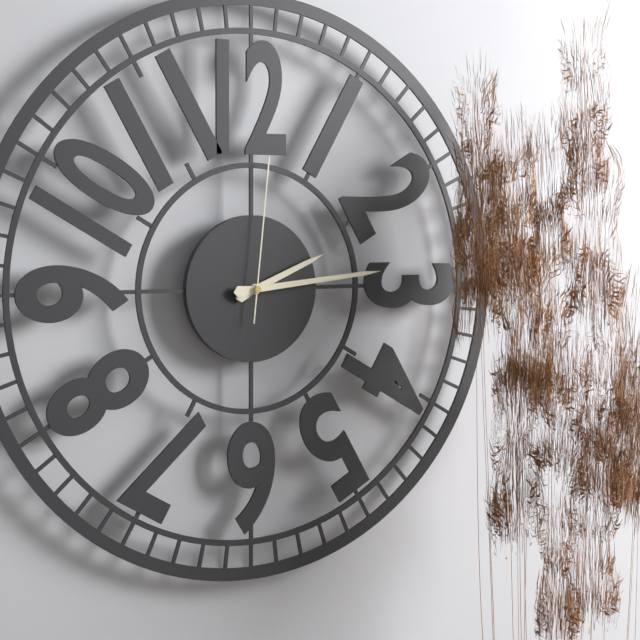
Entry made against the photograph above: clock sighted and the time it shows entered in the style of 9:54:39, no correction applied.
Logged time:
2:14:01
